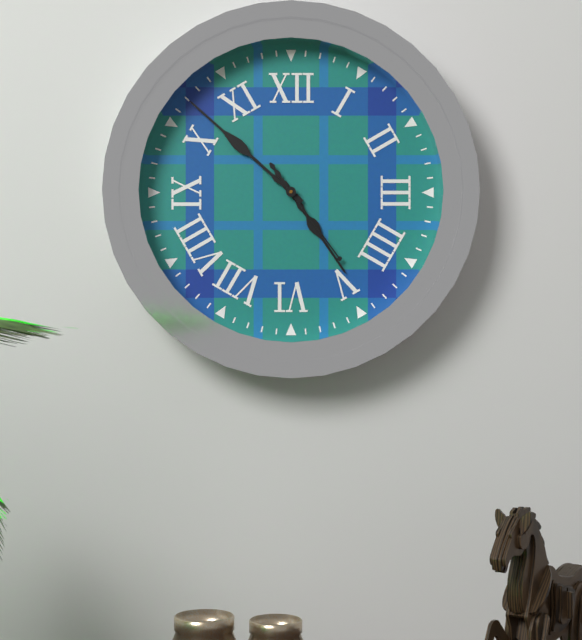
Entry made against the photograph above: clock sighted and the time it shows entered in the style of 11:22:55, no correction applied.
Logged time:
4:52:24
